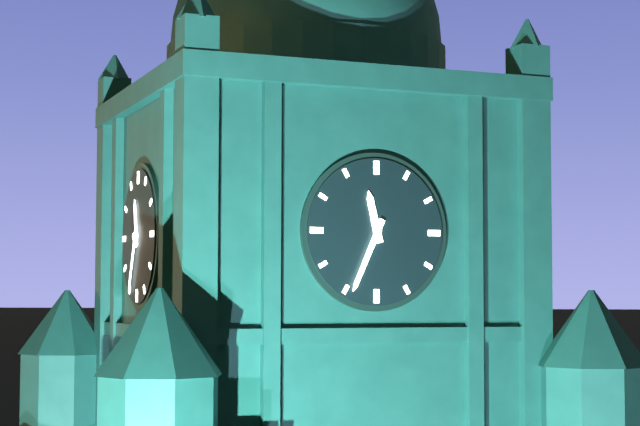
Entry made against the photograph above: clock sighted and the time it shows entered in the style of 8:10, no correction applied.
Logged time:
11:34
